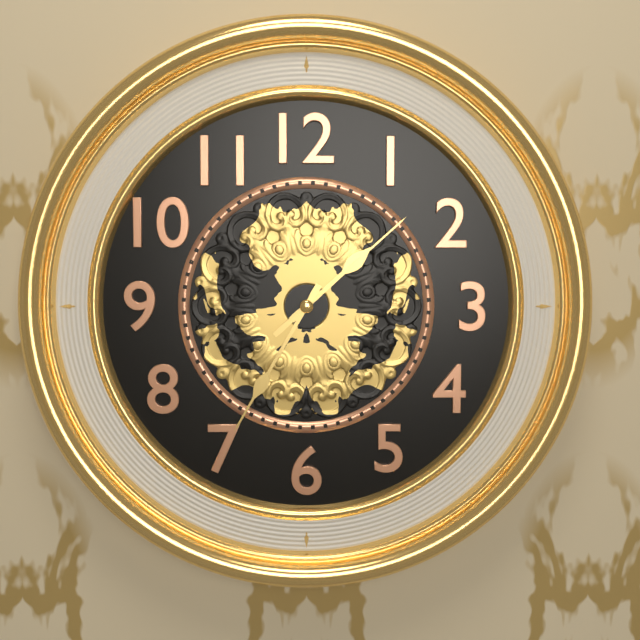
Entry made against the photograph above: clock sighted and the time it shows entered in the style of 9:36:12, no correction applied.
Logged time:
1:35:08
